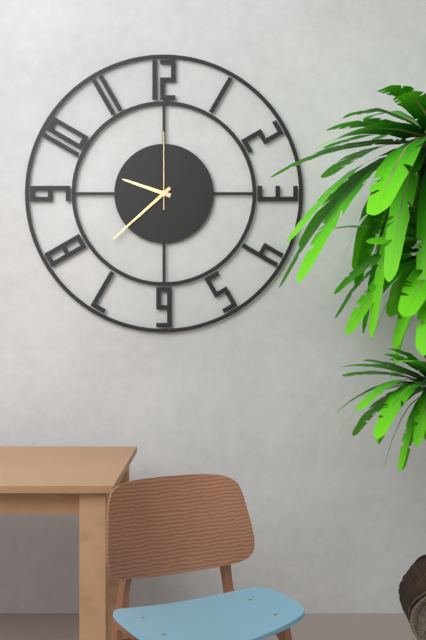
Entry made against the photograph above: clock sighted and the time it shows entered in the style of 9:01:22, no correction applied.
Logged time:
9:38:00
